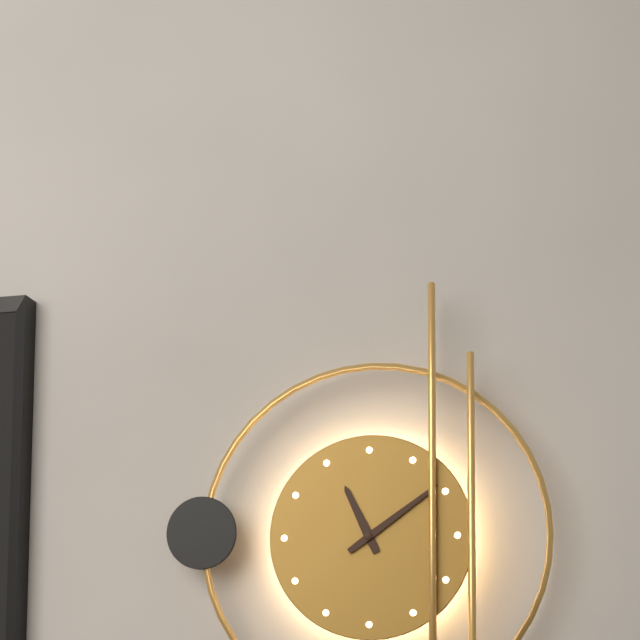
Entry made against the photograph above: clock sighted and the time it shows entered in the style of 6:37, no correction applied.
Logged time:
11:09
